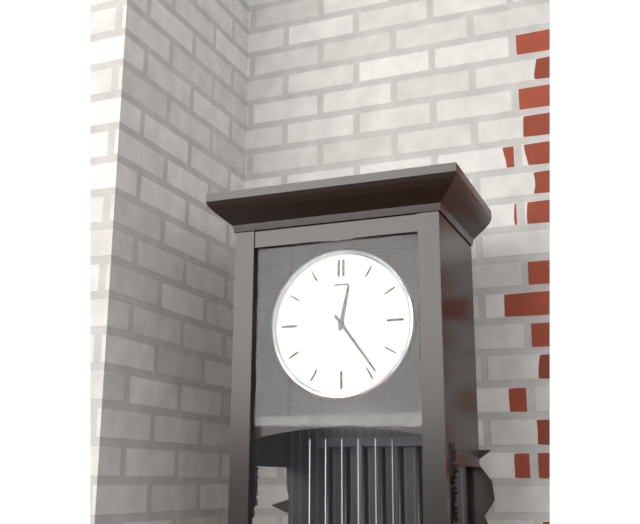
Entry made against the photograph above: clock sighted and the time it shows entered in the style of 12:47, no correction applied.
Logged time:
12:24
